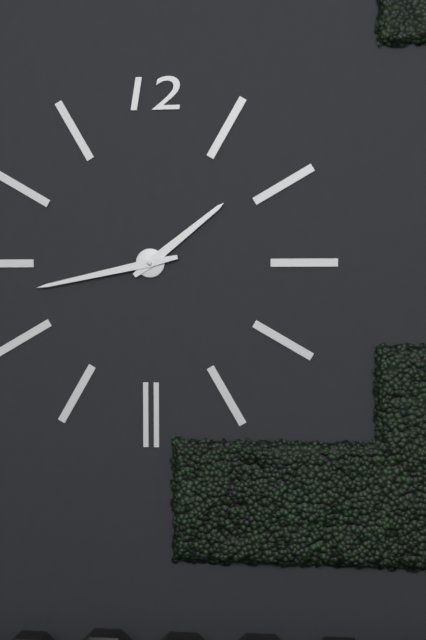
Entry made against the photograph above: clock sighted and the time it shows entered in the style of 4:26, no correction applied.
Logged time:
1:43
